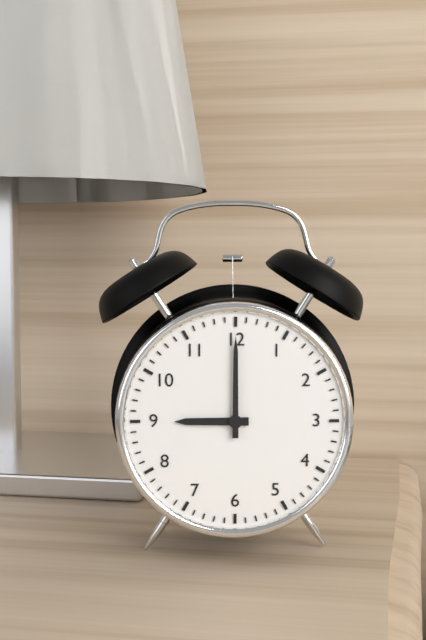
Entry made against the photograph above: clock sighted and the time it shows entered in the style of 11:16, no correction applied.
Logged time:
9:00
